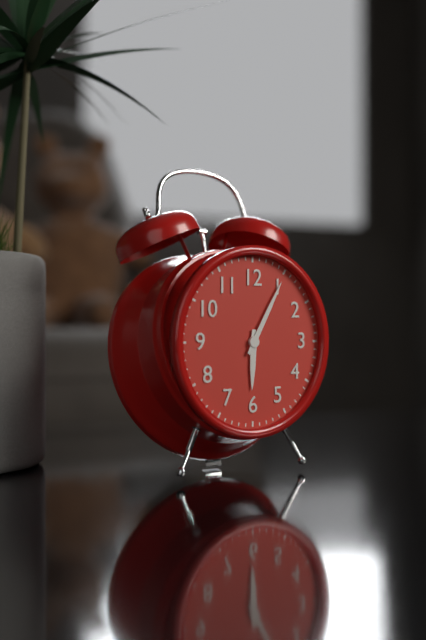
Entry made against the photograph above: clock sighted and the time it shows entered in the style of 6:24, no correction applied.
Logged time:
6:05
